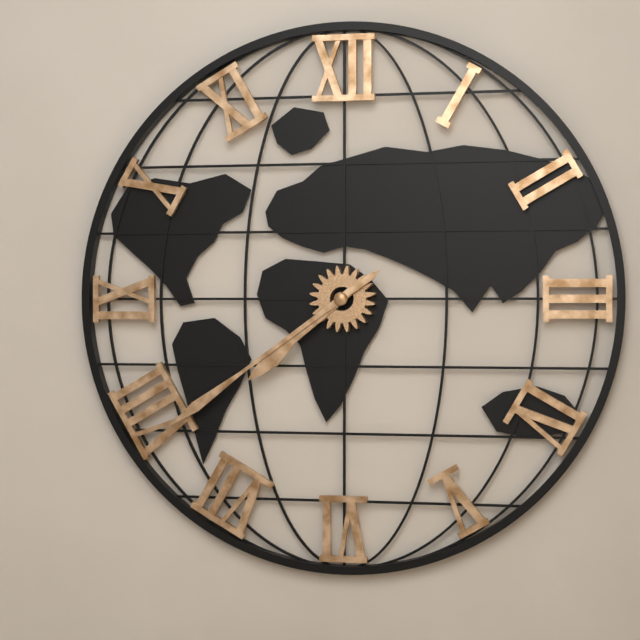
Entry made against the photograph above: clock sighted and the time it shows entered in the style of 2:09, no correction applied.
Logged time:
7:39
